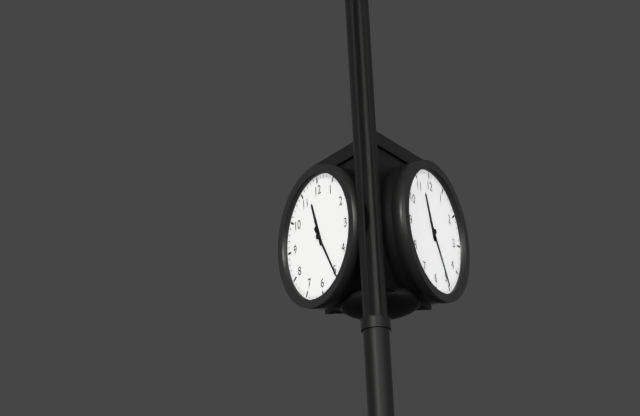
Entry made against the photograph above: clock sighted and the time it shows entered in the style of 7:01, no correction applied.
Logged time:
11:25
